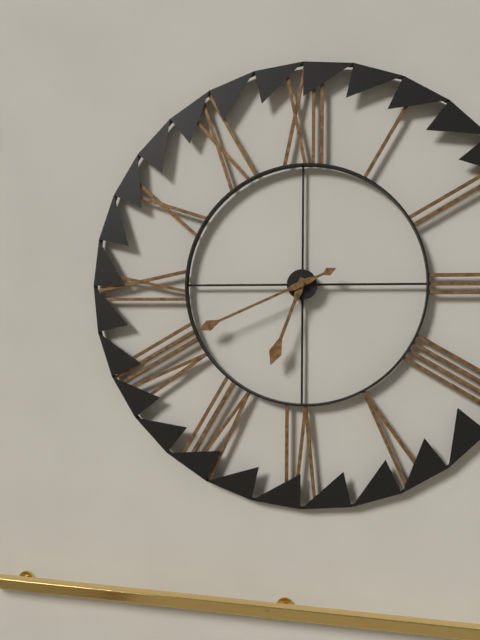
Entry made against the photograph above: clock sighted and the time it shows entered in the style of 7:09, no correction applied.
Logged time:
6:41
